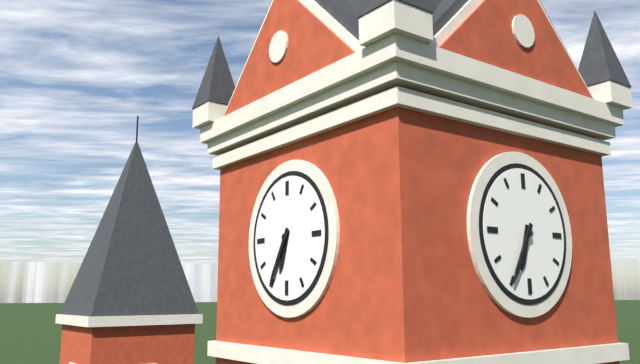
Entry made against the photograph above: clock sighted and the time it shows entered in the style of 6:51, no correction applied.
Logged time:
6:35
